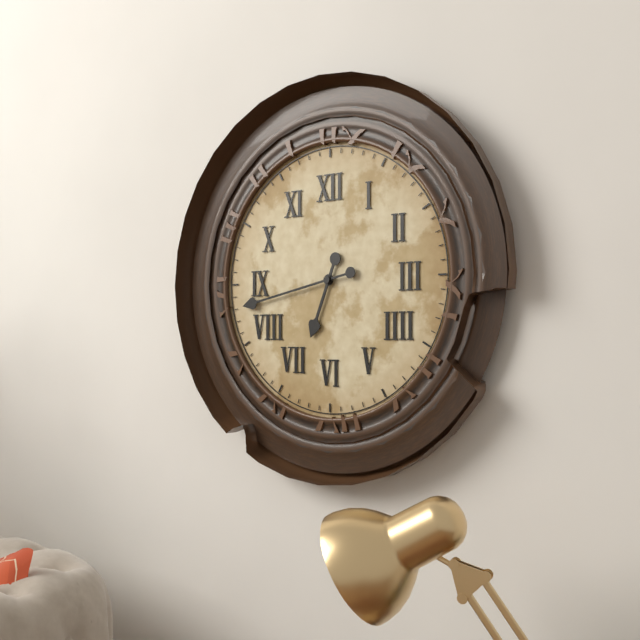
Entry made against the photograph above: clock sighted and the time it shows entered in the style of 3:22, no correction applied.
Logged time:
6:43
